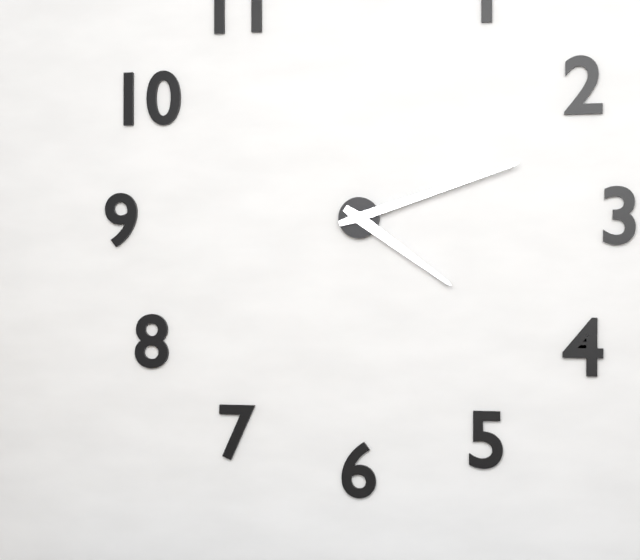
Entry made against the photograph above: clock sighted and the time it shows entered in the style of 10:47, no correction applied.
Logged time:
4:12
